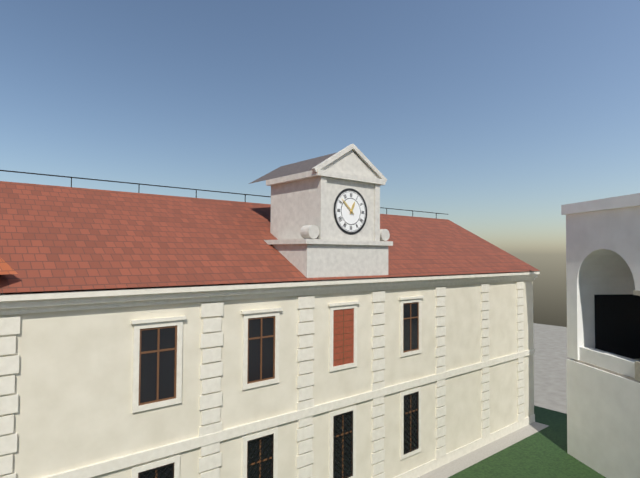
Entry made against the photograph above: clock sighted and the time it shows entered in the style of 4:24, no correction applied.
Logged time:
12:52
